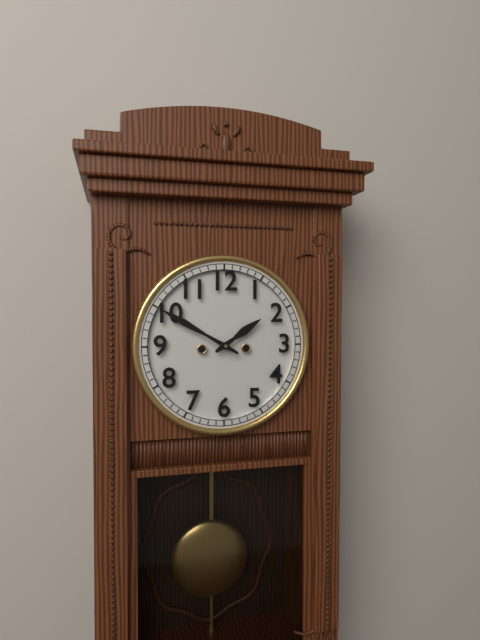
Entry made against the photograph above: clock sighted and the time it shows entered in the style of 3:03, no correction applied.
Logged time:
1:50
